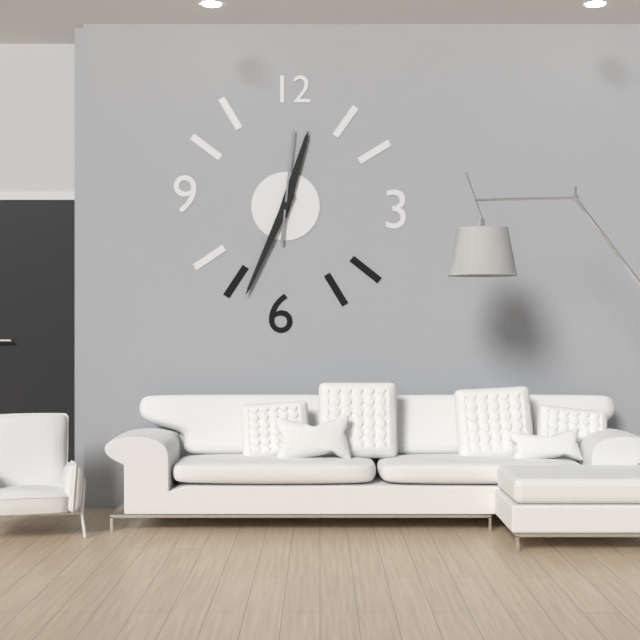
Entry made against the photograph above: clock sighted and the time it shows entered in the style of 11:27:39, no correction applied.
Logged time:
12:34:01
